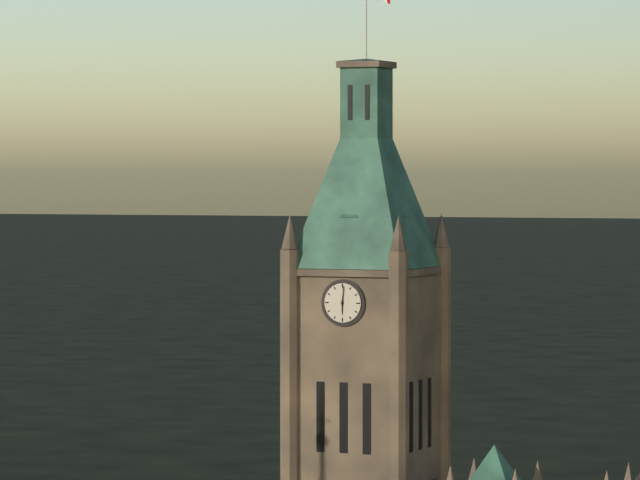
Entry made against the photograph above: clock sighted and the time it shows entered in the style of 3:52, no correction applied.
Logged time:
6:01
